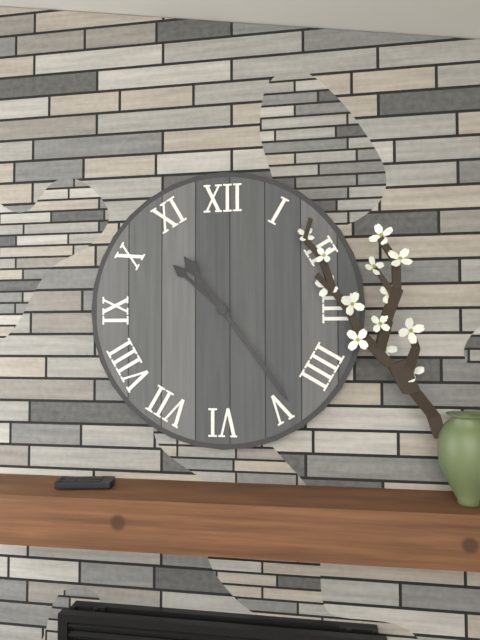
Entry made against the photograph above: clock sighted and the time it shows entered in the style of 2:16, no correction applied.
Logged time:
10:24
